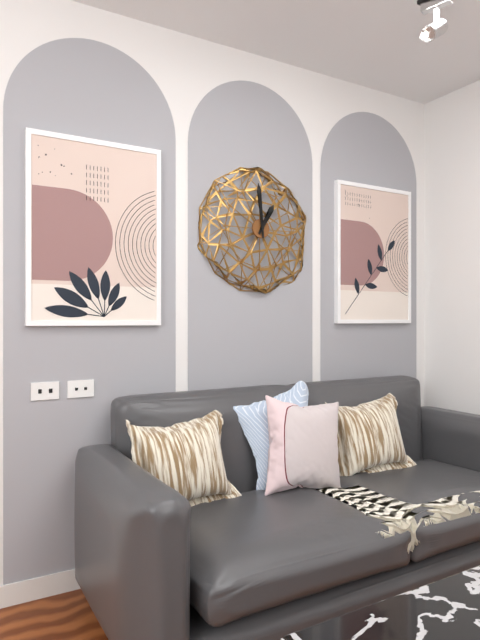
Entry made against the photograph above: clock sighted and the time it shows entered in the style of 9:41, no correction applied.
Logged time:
12:59
